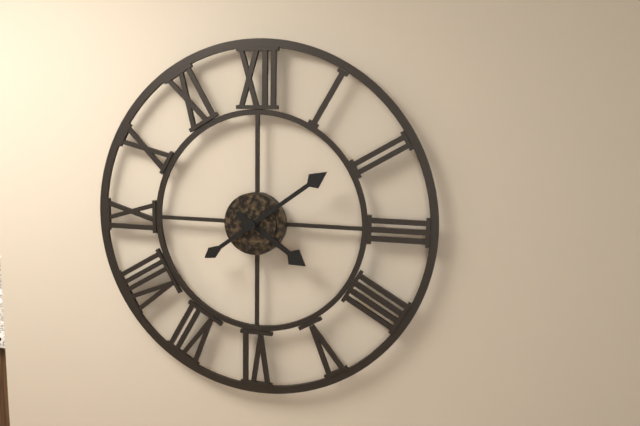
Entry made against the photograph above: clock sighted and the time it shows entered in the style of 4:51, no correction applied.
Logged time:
4:09
